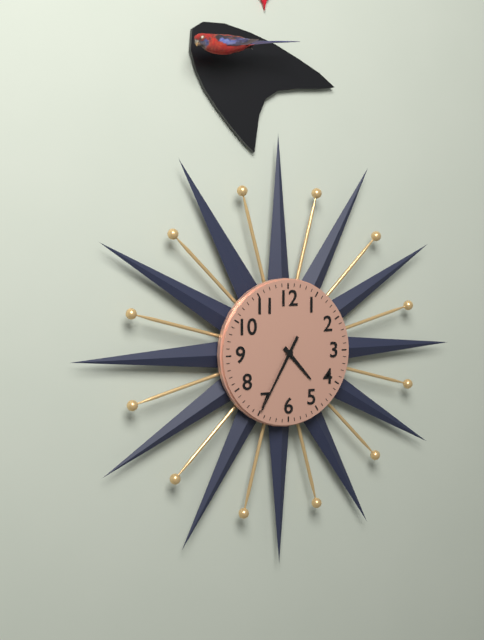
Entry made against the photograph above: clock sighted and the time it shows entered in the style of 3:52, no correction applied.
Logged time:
4:35
